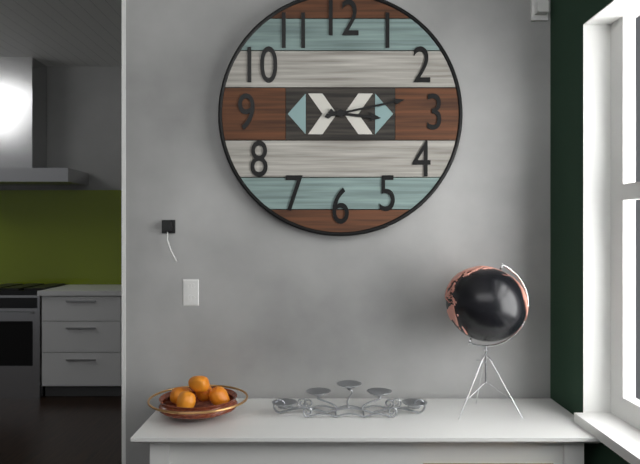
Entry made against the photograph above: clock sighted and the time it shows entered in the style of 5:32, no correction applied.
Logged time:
3:13
